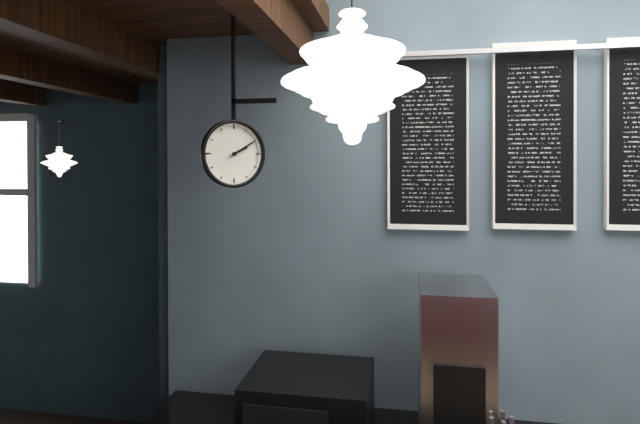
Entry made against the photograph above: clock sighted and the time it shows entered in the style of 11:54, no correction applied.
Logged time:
2:10
